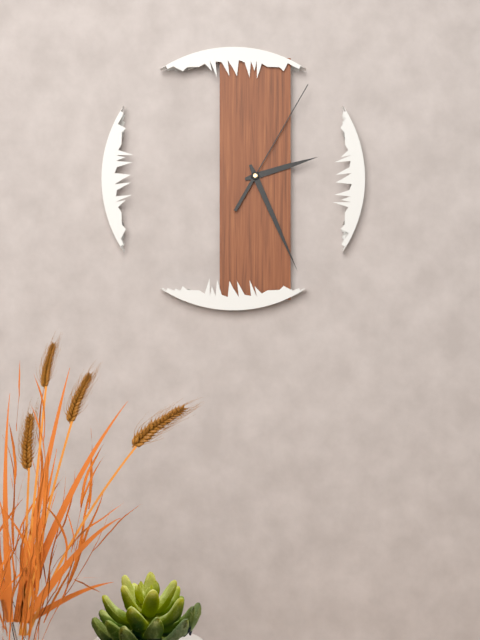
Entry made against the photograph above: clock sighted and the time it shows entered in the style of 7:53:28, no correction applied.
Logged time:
2:26:05
